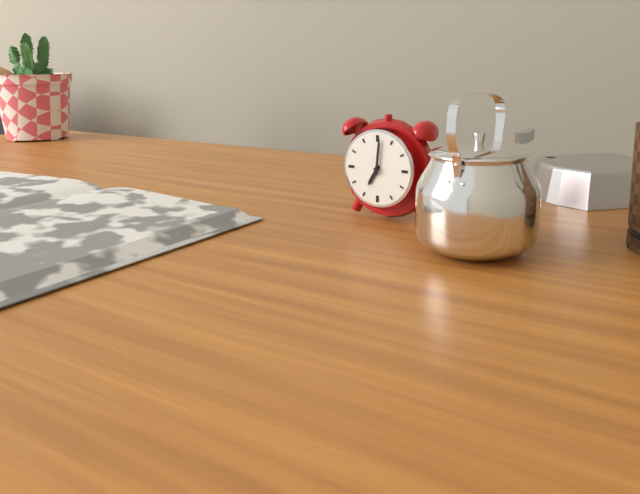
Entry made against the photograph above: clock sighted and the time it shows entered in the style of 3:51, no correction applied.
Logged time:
7:01
